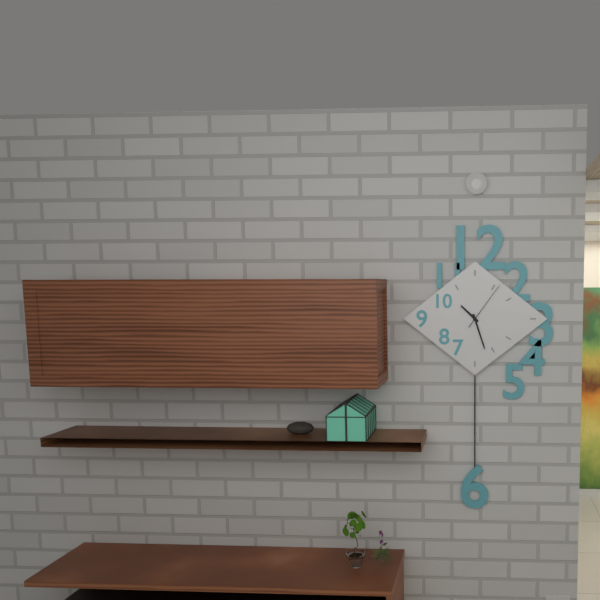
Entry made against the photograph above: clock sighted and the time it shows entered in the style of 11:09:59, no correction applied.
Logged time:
10:27:06
